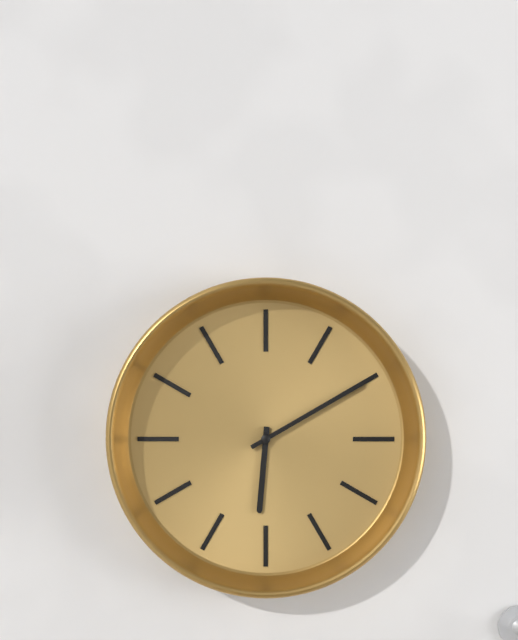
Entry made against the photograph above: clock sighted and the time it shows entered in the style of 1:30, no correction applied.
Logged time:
6:10
